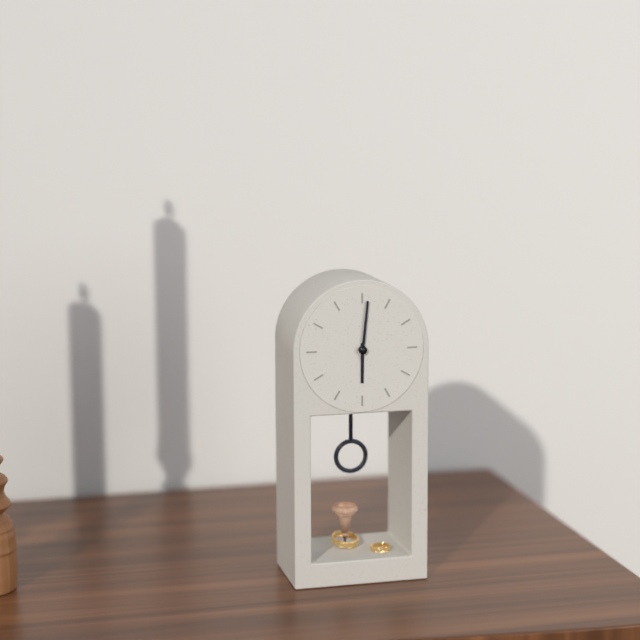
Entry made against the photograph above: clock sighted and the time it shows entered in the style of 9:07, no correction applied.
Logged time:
6:01
